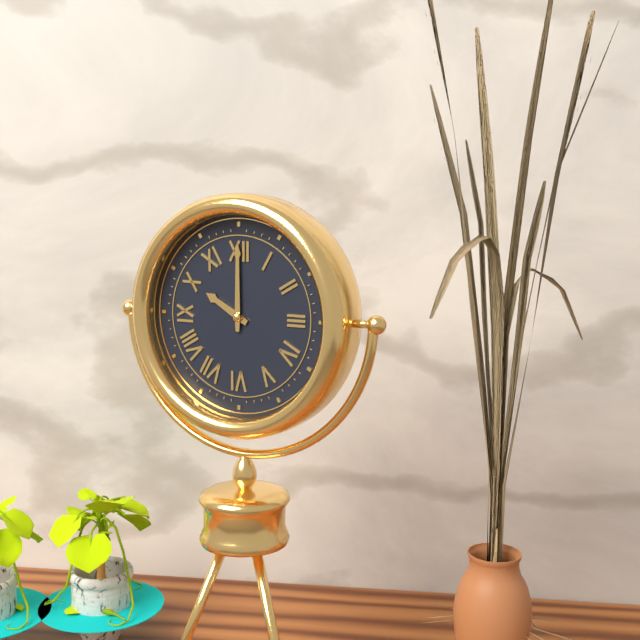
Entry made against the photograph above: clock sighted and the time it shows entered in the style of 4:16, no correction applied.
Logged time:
10:00
